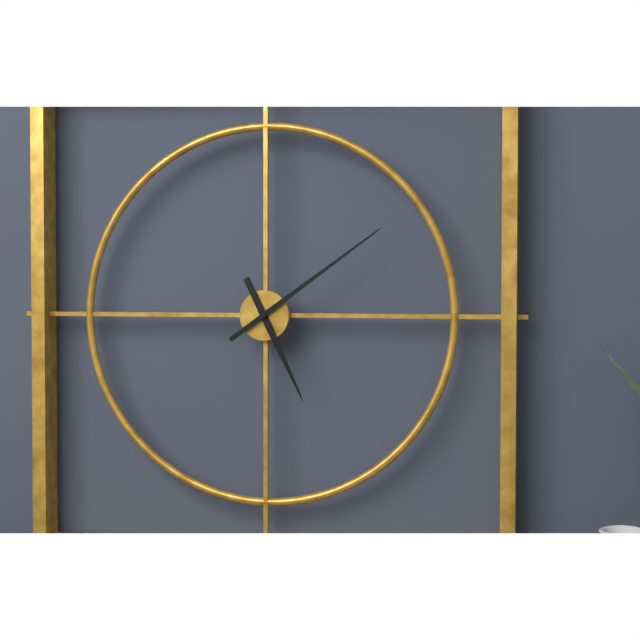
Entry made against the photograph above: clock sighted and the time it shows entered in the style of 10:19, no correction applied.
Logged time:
5:09
